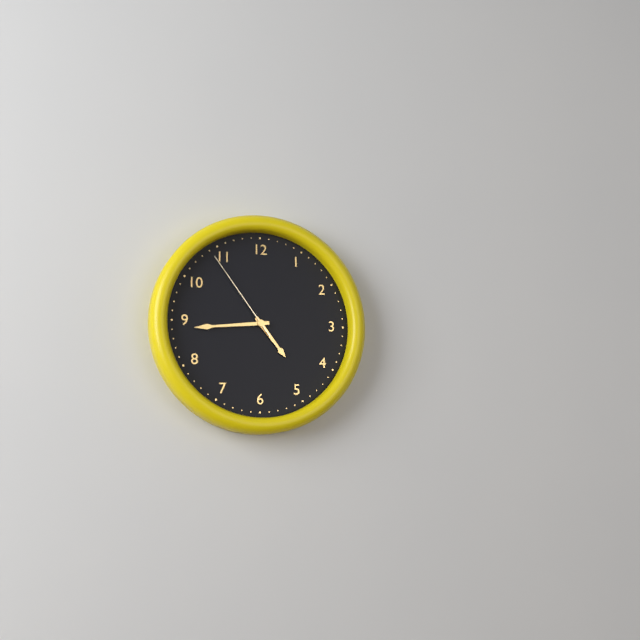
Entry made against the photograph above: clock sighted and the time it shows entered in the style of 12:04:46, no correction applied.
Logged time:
4:44:54
